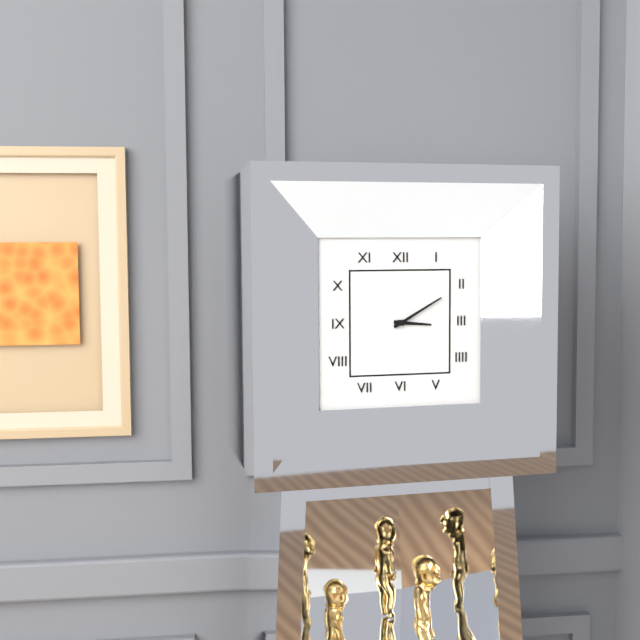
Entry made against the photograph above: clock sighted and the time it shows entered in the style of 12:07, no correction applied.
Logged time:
3:10
